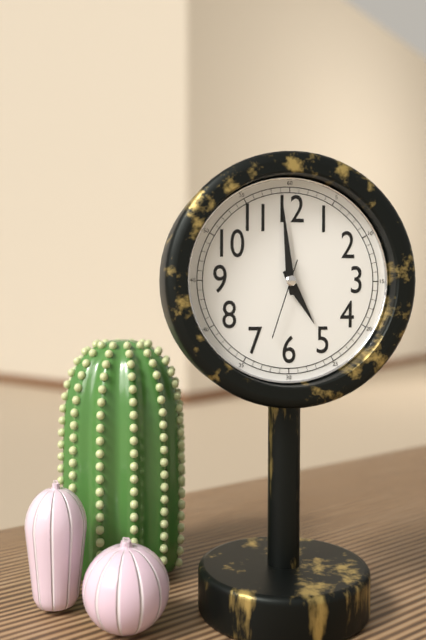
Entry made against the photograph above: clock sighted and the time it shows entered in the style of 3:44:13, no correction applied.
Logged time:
4:59:33
